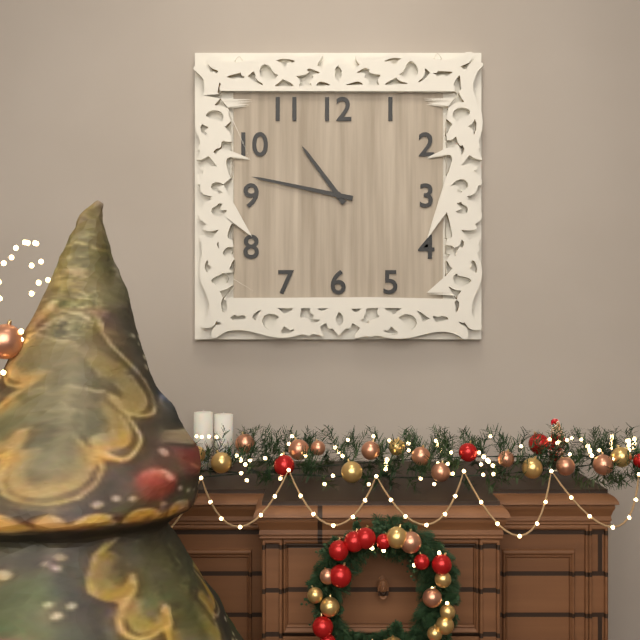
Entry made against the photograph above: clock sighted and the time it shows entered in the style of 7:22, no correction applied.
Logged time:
10:47
